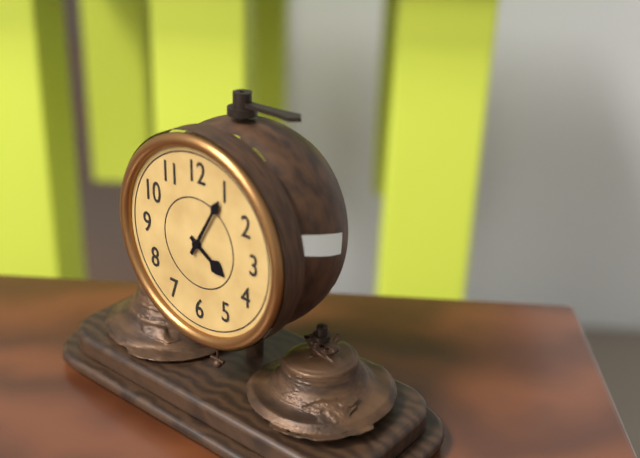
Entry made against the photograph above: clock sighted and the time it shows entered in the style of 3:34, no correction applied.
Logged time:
4:05
